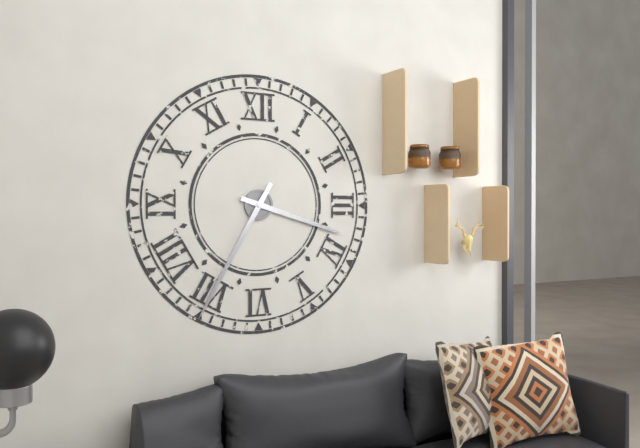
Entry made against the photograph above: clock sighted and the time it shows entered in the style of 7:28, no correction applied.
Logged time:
3:35
